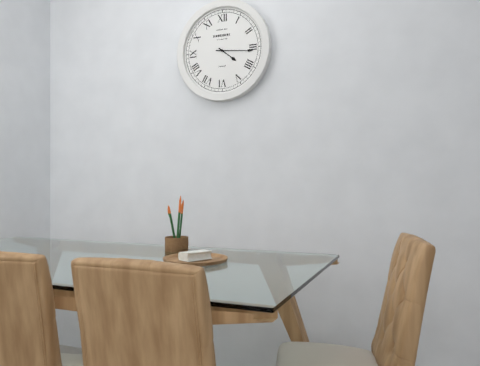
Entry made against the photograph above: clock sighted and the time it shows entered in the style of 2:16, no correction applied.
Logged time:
4:16
